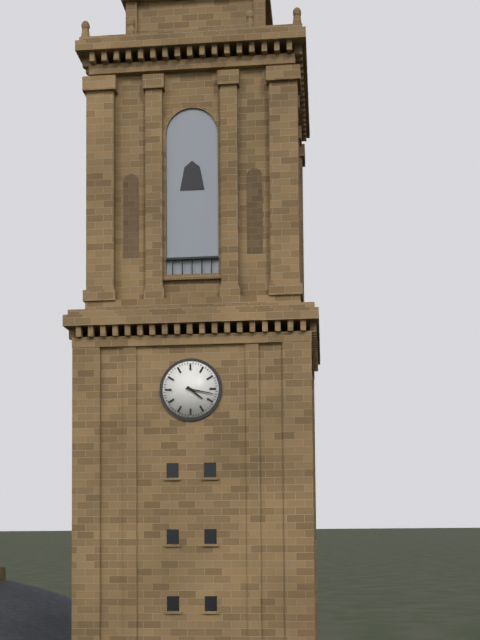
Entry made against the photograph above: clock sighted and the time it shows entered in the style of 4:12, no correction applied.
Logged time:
4:17
